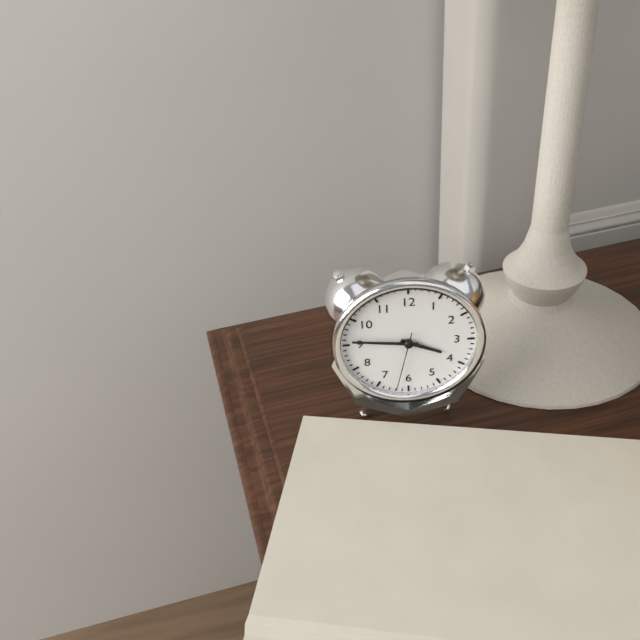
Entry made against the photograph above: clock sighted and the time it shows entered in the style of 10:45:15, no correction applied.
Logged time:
3:46:32
